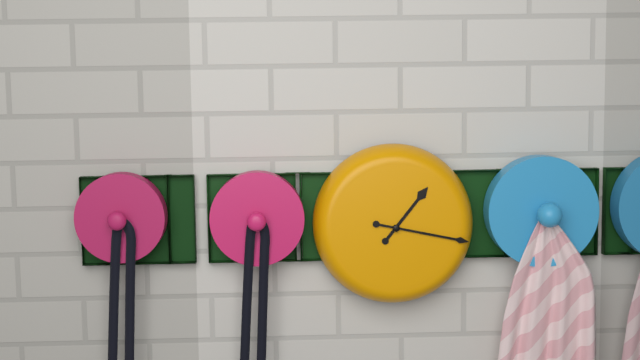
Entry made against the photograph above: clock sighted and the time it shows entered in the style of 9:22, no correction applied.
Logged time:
1:17
